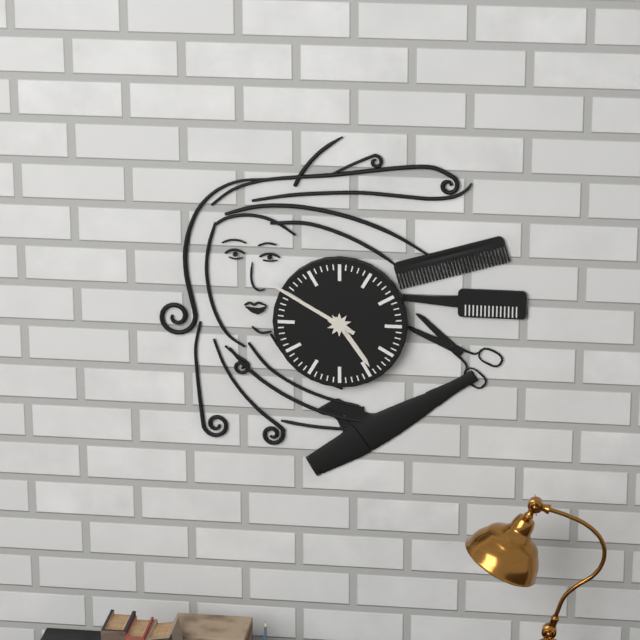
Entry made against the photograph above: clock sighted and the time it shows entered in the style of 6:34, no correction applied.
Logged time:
4:50
